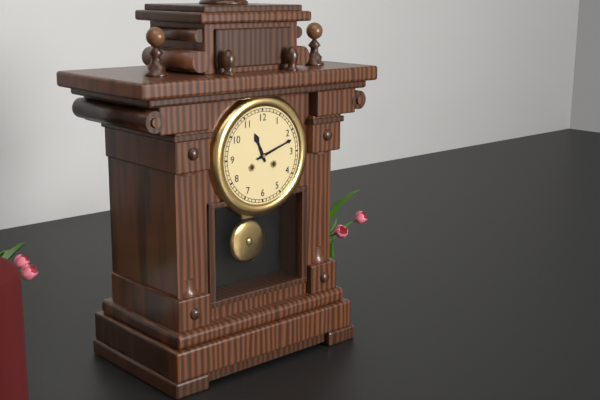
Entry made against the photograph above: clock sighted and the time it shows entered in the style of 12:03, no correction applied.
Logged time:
11:12
